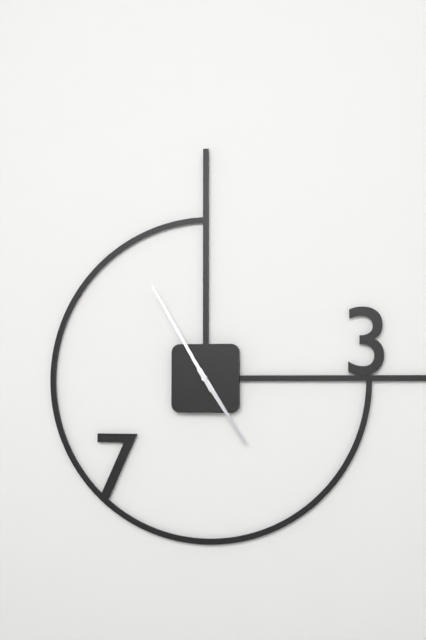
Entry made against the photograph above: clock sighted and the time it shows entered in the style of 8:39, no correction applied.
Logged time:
4:55
